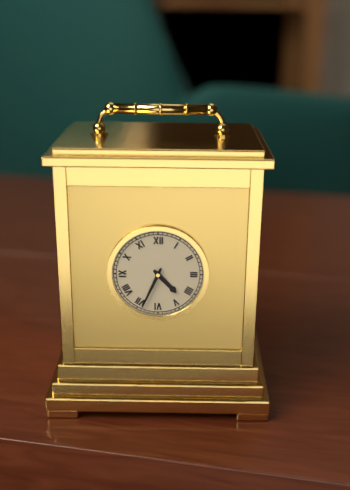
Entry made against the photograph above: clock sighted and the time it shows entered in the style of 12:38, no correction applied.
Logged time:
4:34
